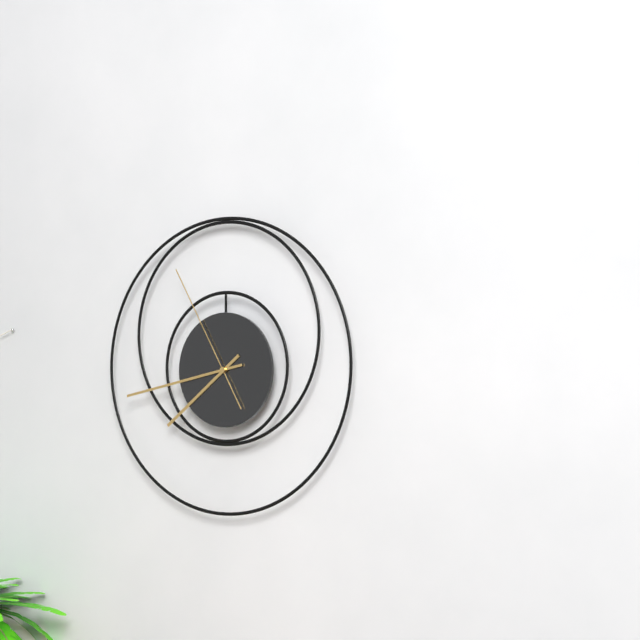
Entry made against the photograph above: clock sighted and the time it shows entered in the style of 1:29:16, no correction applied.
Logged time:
7:43:55
